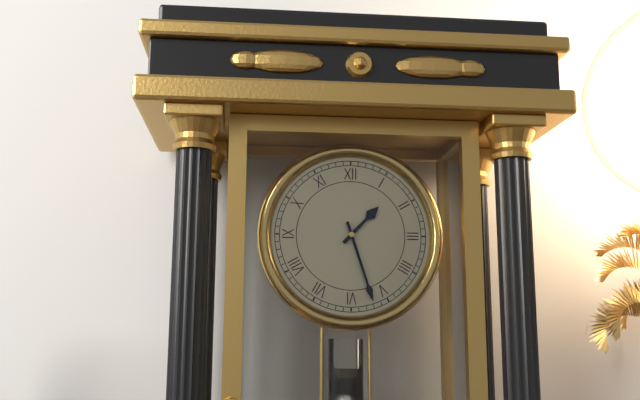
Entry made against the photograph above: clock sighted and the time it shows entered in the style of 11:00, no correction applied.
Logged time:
1:27
